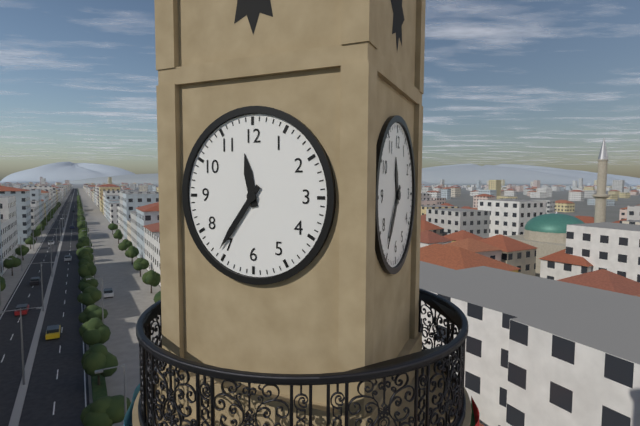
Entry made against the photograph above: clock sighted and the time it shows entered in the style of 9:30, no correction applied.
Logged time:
11:36
